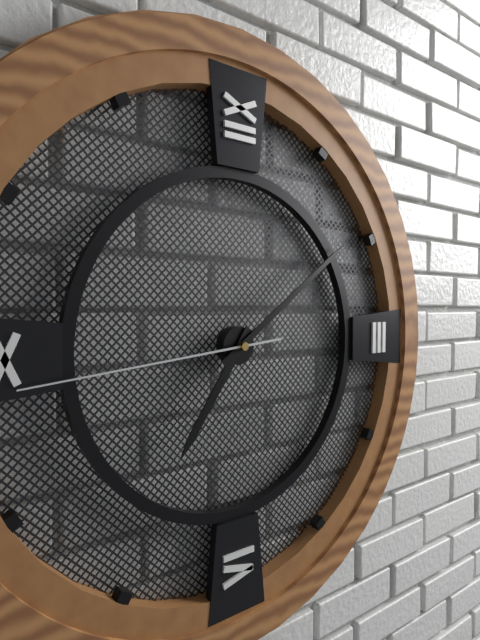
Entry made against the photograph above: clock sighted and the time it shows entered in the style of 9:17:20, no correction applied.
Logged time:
7:09:44
